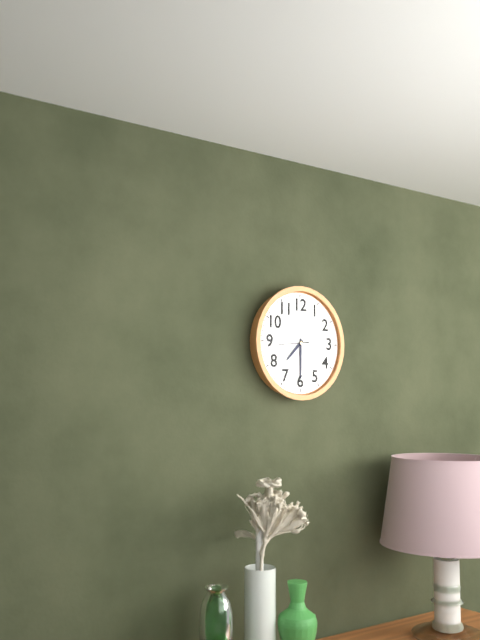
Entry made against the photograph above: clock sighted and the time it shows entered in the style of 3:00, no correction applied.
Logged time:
7:30
